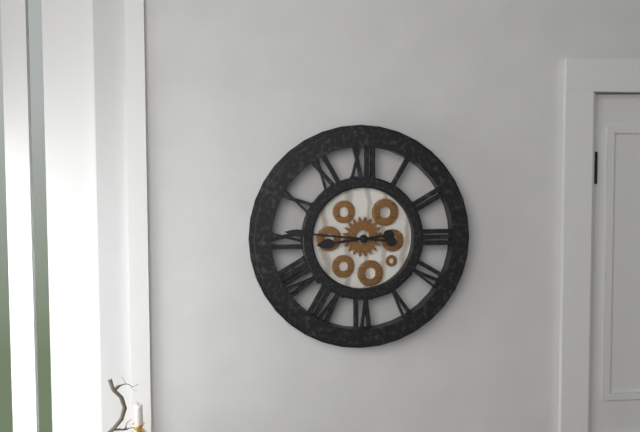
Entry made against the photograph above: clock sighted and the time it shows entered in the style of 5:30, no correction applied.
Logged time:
8:46
